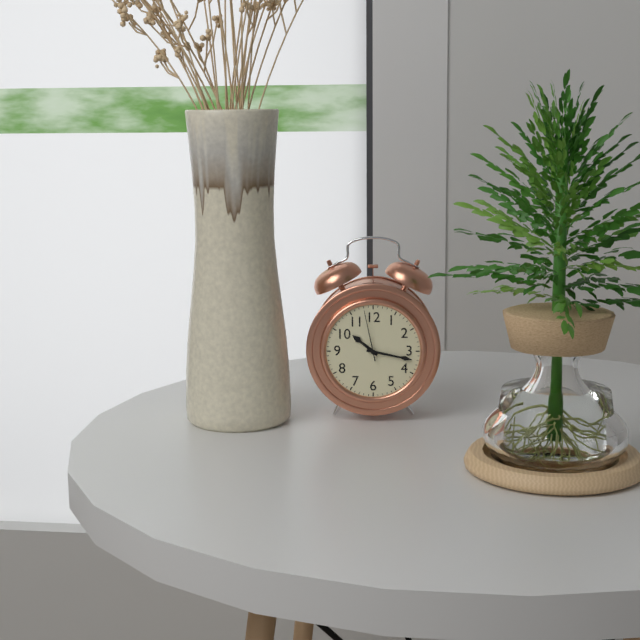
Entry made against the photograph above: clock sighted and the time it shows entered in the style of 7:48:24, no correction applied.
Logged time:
10:17:58
